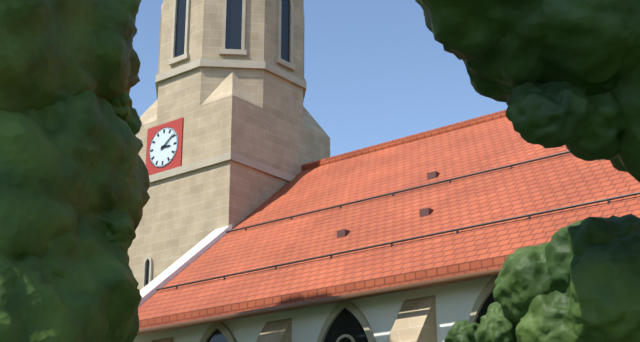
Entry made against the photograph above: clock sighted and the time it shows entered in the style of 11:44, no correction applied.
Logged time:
3:09
